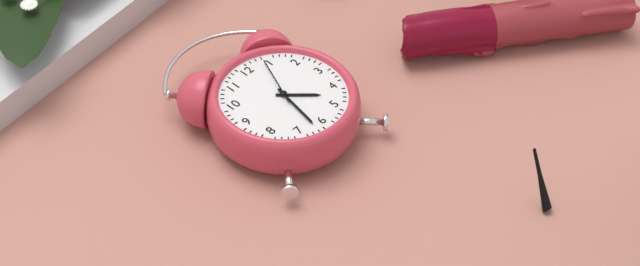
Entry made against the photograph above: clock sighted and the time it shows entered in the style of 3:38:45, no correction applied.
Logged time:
4:32:04
